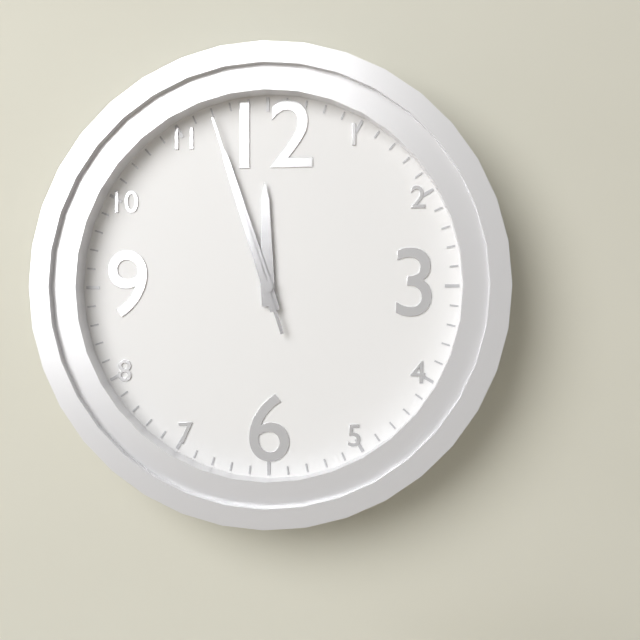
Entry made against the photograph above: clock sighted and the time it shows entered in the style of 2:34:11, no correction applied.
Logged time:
11:57:57
